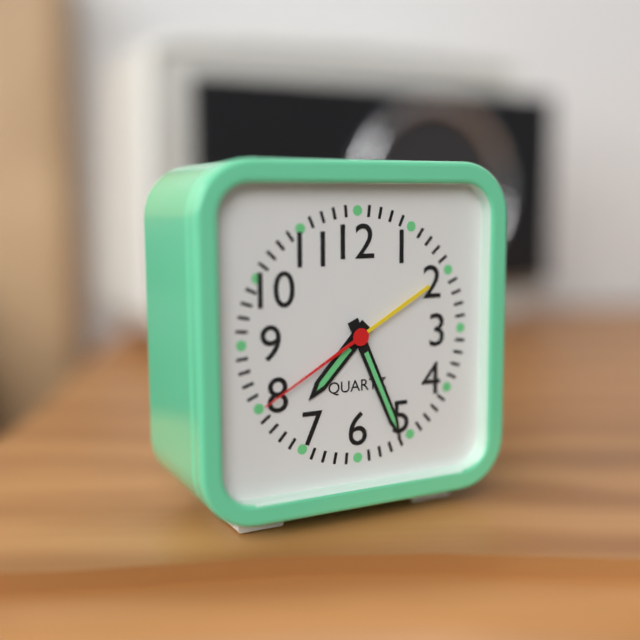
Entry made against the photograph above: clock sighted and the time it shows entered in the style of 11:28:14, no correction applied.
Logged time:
7:26:40
